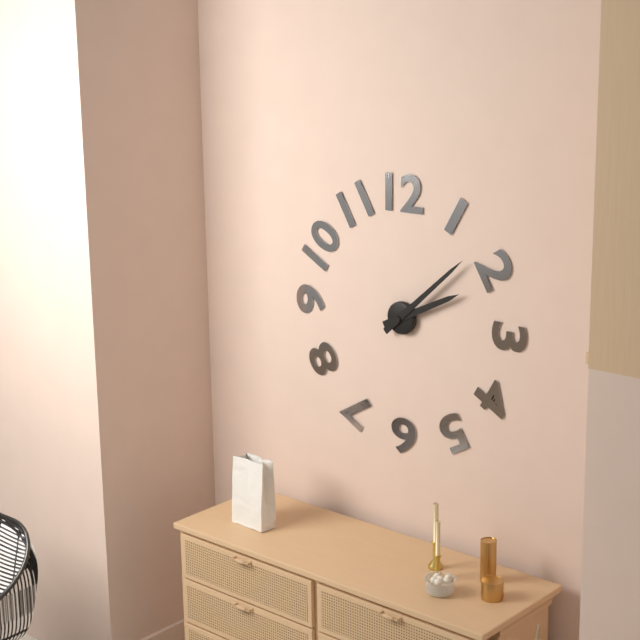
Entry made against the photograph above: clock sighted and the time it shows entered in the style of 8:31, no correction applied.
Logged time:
2:08
